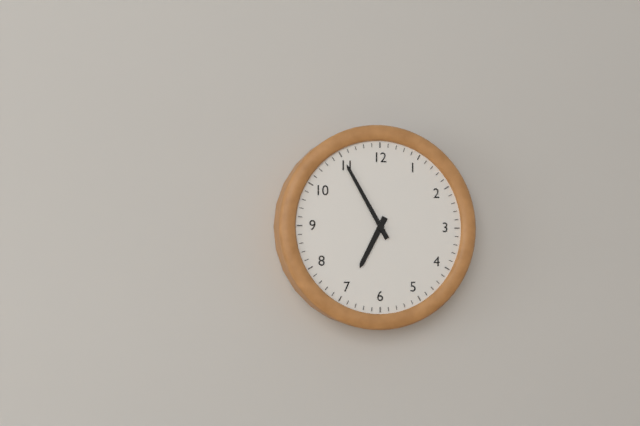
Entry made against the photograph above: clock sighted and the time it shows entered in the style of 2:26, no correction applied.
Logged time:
6:55
